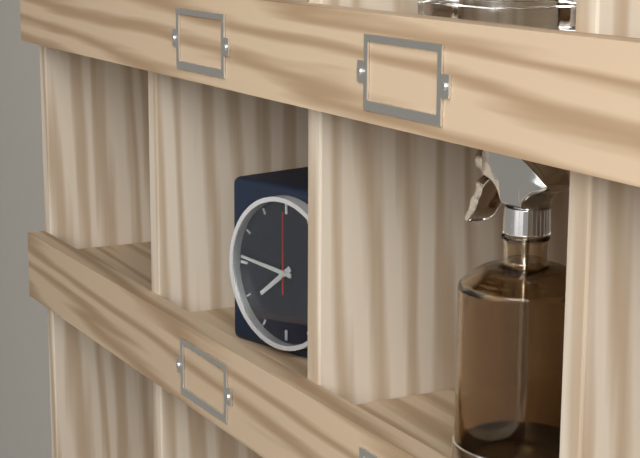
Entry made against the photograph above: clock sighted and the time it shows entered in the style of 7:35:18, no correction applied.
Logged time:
7:46:00
